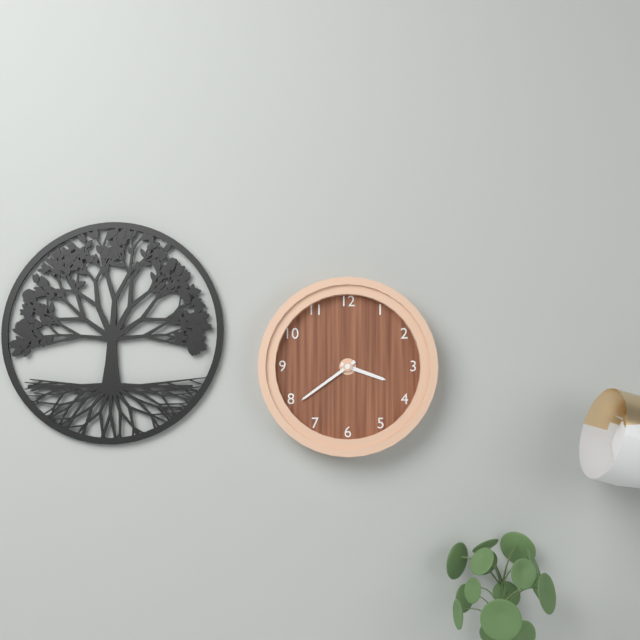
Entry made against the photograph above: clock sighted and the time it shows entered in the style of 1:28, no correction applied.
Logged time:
3:39
